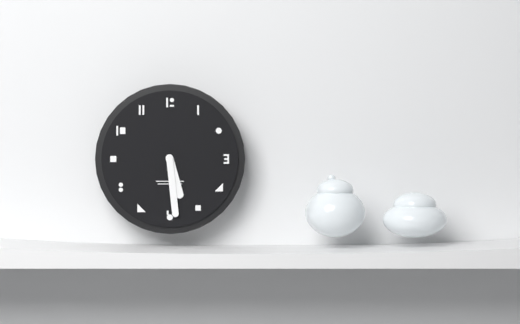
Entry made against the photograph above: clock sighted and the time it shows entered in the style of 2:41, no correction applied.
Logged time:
5:29
